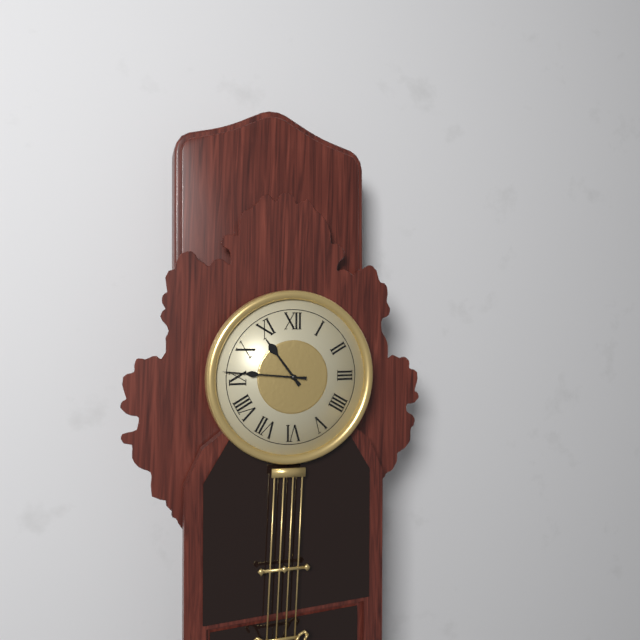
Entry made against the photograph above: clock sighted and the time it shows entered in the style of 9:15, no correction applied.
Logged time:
10:46
